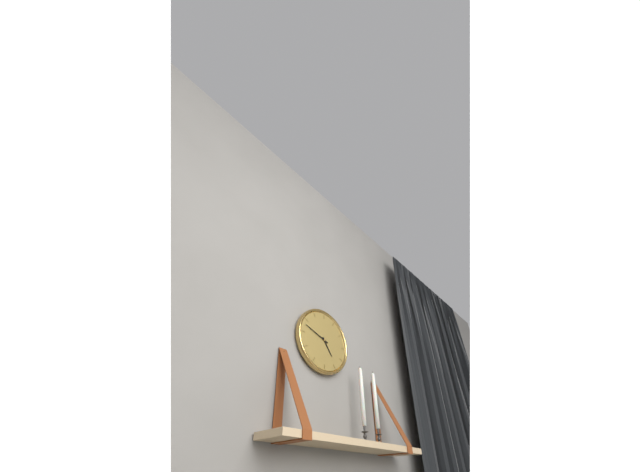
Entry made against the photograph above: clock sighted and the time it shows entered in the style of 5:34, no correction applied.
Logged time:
4:48
